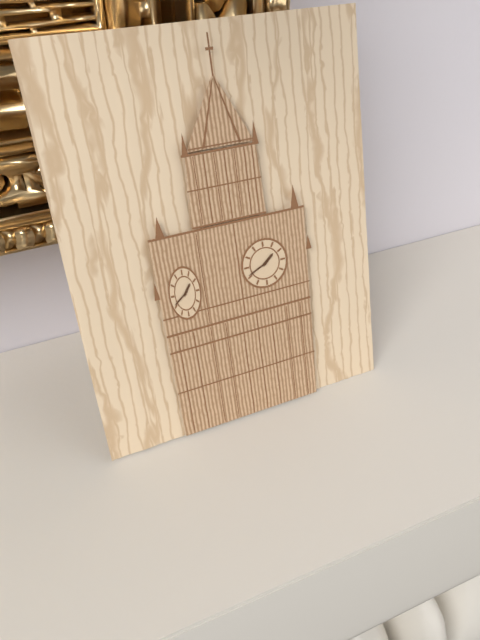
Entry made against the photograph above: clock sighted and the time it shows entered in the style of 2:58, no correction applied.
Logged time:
1:41
